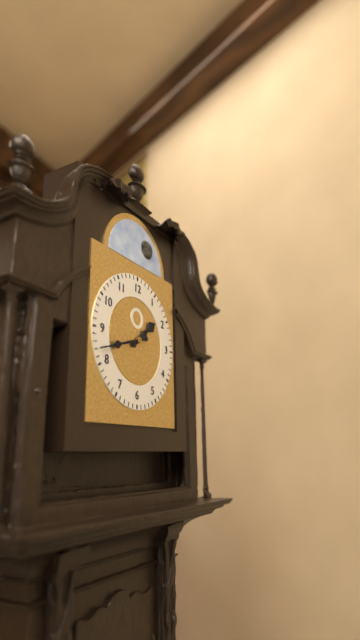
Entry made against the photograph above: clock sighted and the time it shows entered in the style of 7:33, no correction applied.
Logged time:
1:42
